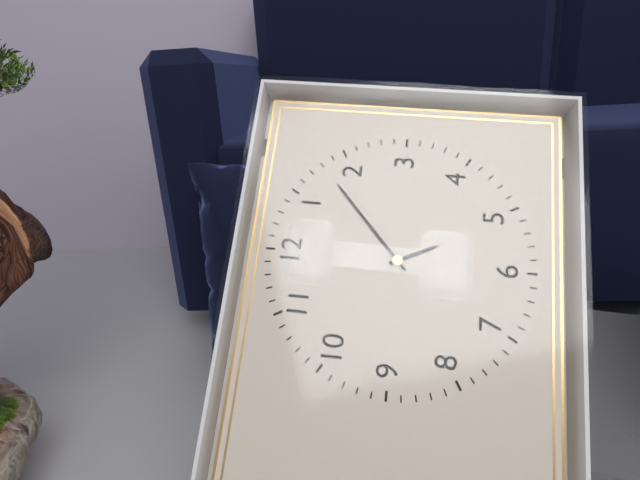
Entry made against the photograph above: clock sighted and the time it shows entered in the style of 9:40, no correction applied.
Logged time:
5:08
